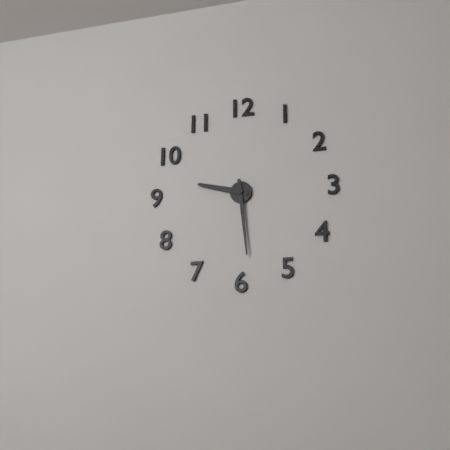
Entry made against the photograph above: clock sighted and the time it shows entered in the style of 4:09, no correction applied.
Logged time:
9:29
